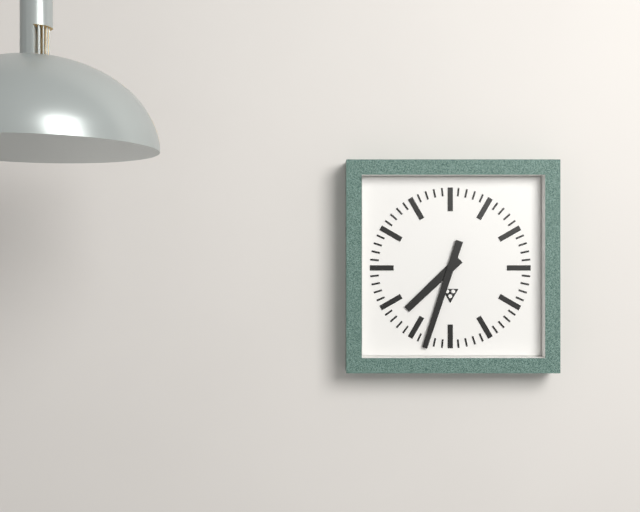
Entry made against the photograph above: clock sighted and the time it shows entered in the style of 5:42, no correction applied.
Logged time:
7:33
